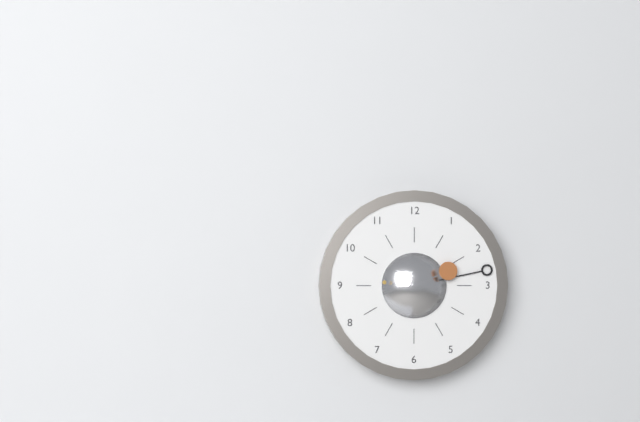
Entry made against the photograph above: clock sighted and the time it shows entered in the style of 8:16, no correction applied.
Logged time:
2:13
